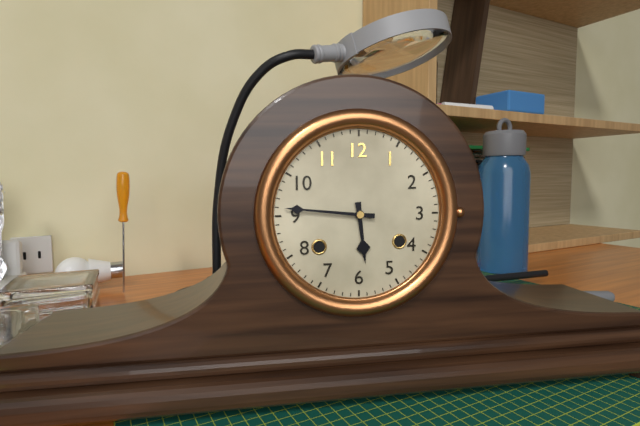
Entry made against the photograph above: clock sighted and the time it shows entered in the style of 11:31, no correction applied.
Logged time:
5:46
